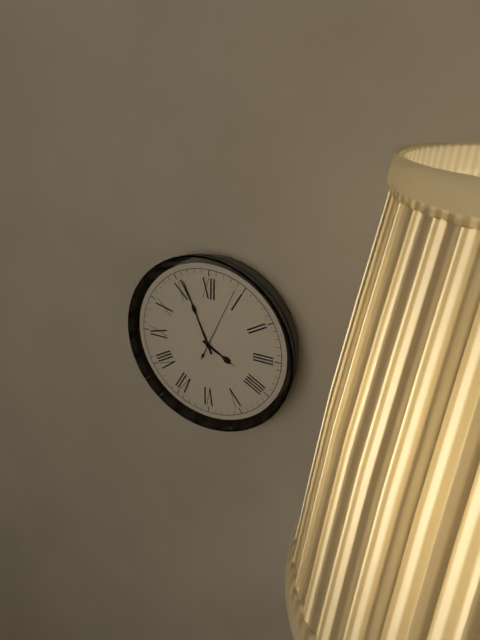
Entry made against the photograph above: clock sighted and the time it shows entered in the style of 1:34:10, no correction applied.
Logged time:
3:56:04
